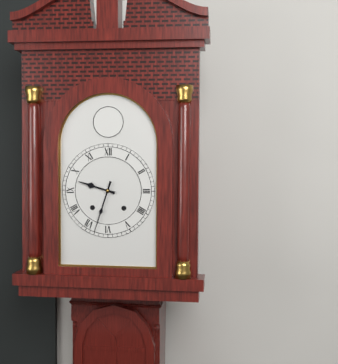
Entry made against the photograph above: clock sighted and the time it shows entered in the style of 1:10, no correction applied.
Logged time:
9:33
